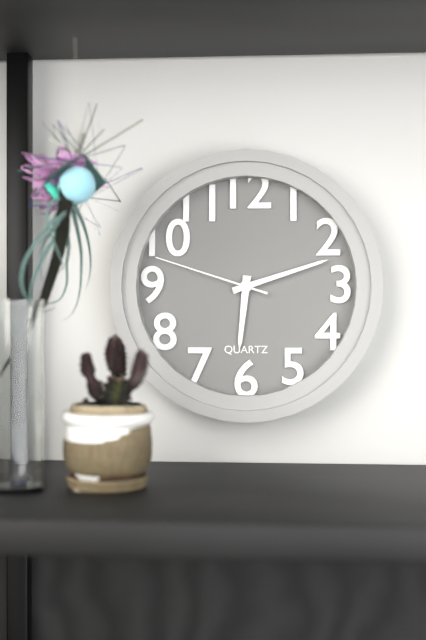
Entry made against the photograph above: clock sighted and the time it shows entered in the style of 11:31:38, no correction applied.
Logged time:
6:12:48
